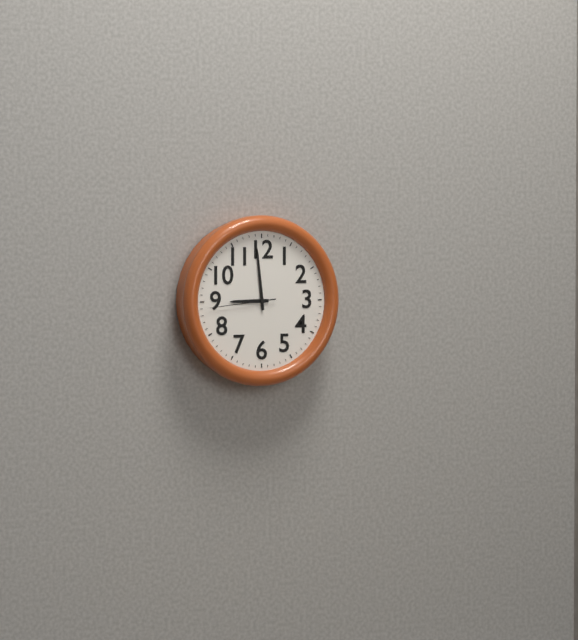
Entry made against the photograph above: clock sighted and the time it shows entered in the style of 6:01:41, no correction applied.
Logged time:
8:59:44
